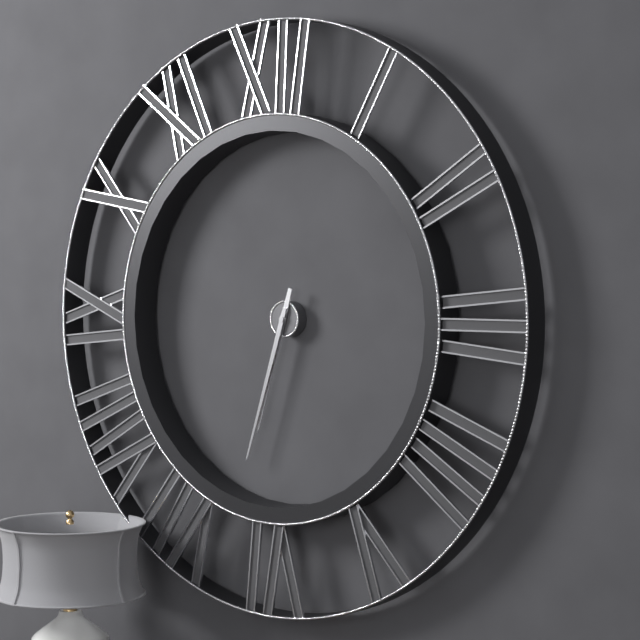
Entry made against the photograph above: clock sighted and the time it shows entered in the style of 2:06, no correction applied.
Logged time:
6:33
